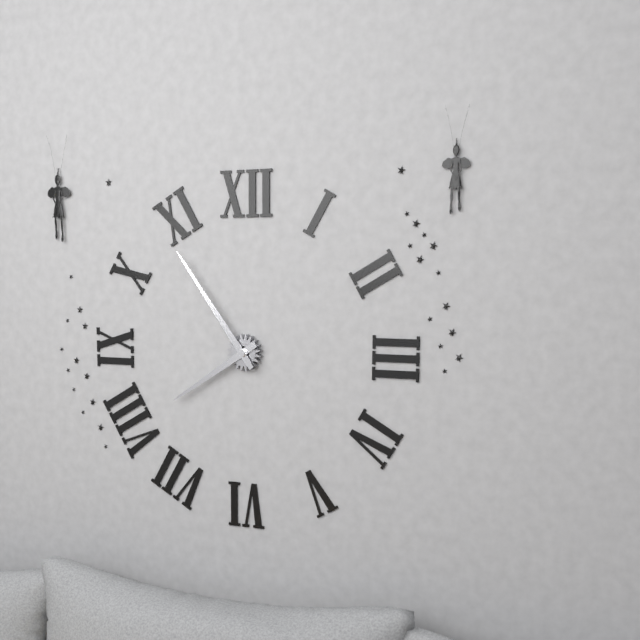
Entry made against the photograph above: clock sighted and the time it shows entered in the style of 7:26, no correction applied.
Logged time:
7:54
